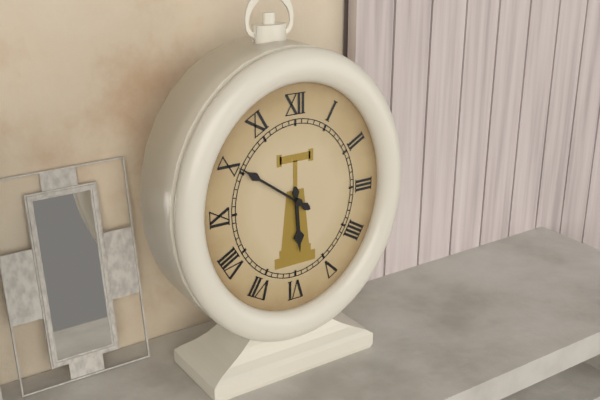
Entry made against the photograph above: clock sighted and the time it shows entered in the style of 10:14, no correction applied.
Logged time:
5:51
